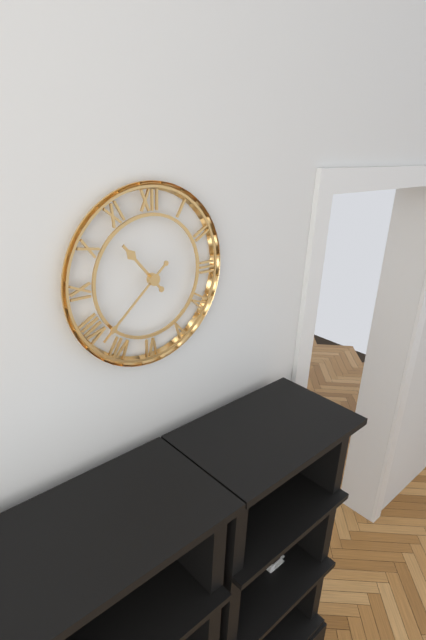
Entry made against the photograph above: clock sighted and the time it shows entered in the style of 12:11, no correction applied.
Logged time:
10:38
